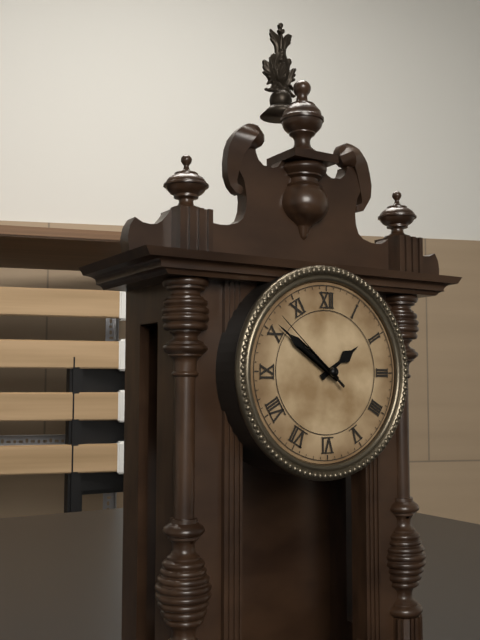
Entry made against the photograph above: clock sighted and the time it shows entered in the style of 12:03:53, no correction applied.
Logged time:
1:51:52
